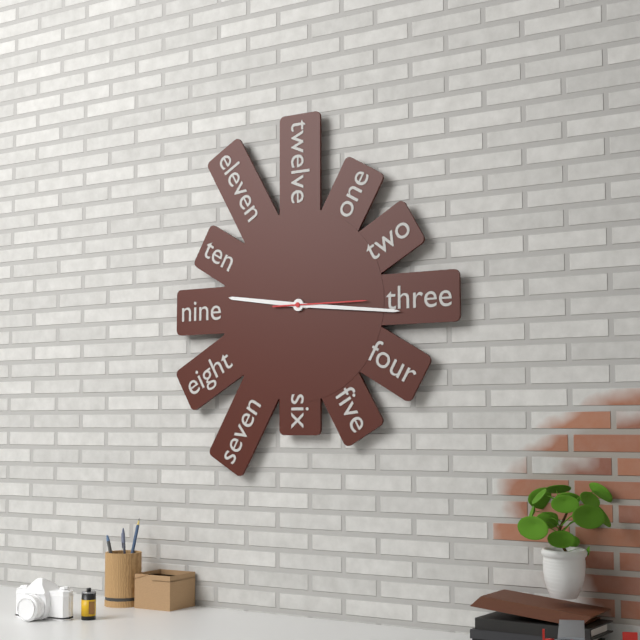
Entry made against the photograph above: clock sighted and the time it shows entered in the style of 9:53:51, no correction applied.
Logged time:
9:16:15
